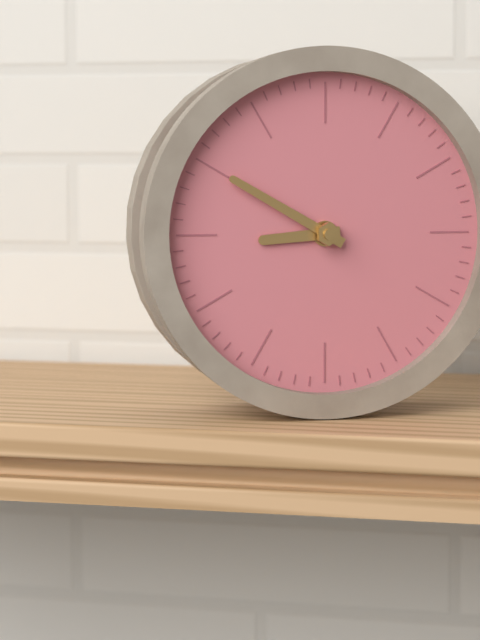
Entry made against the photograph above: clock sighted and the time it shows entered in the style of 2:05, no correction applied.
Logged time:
8:50
